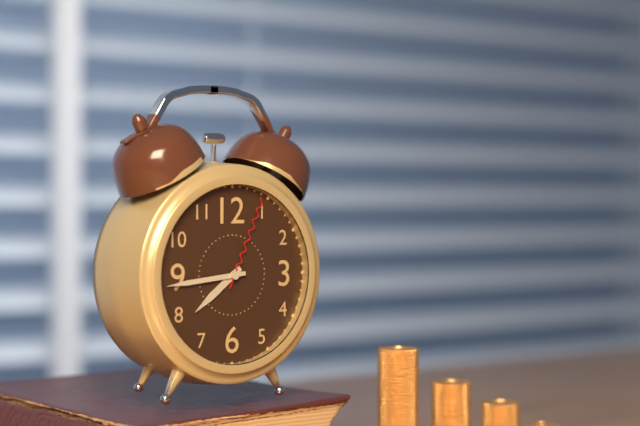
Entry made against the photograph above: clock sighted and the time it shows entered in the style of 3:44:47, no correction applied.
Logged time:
7:44:04
